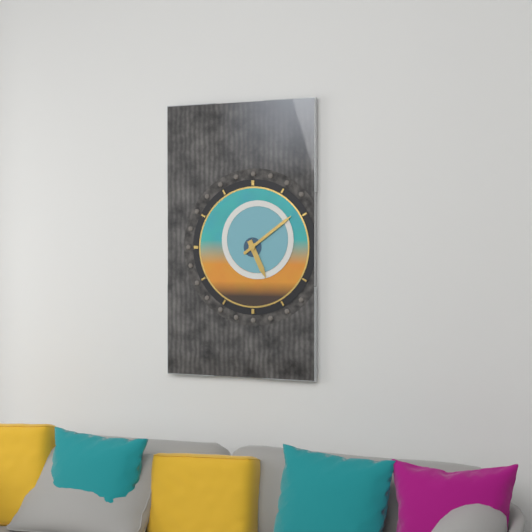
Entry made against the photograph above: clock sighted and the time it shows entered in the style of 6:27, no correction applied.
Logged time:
5:09
